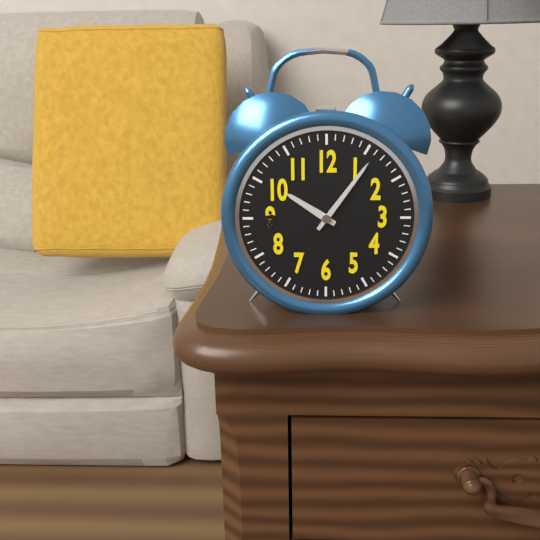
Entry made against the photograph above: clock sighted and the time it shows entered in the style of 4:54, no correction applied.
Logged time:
10:06
